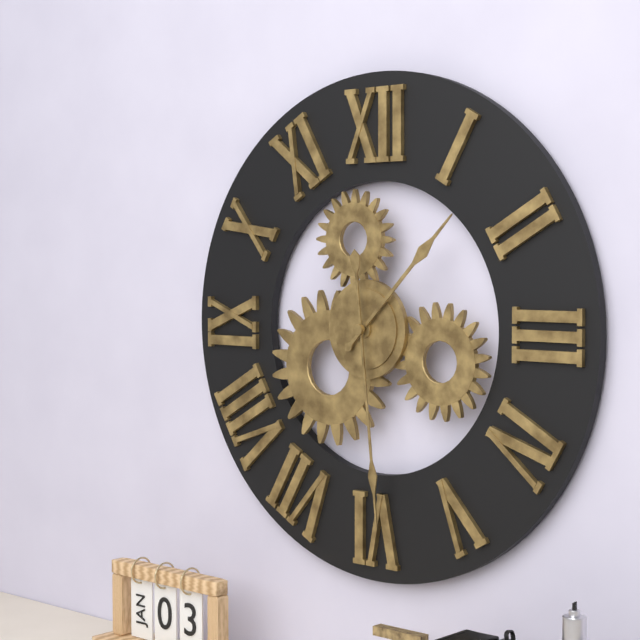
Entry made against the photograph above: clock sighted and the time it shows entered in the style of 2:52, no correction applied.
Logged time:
1:29
